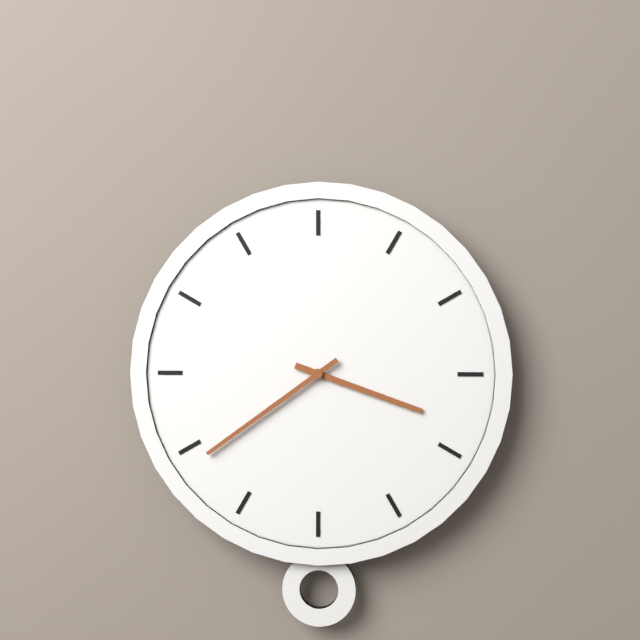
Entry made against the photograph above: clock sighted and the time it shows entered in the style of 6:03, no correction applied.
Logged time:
3:39
